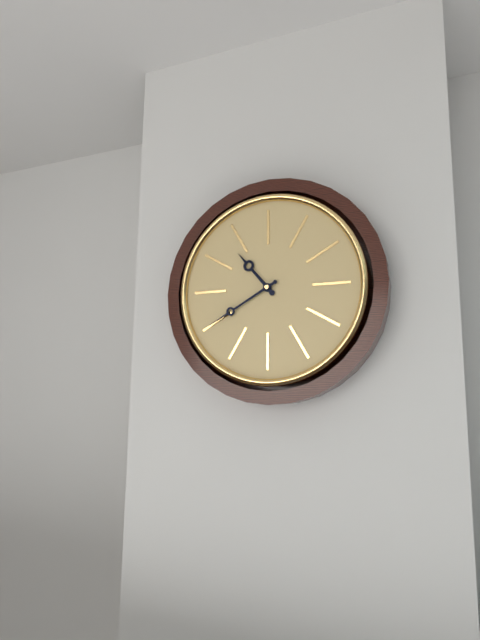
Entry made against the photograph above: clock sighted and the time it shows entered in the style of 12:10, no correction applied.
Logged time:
10:40
